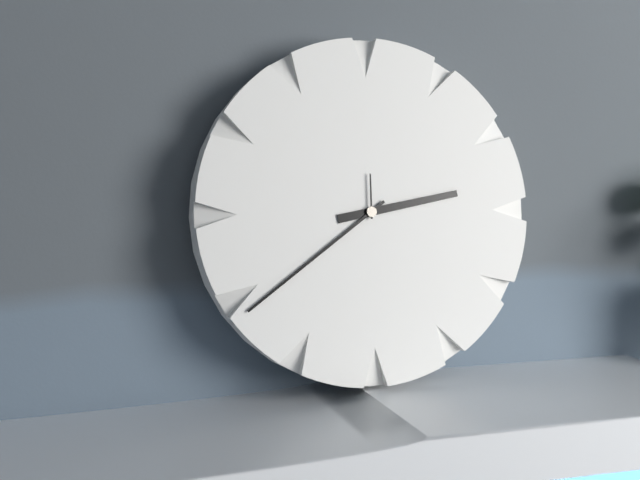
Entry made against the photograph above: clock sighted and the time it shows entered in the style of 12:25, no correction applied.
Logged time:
2:39
